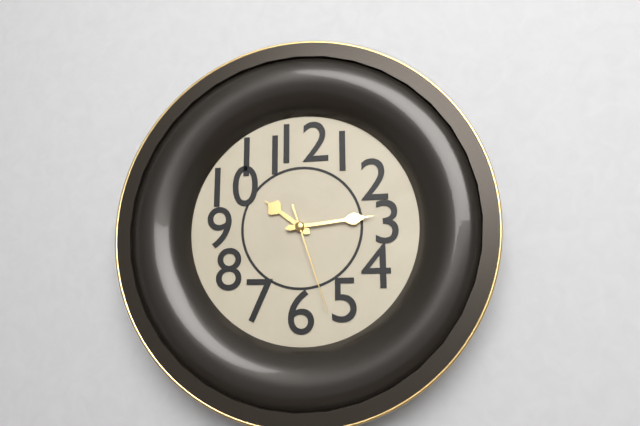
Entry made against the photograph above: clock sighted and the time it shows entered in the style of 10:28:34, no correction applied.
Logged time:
10:14:27
